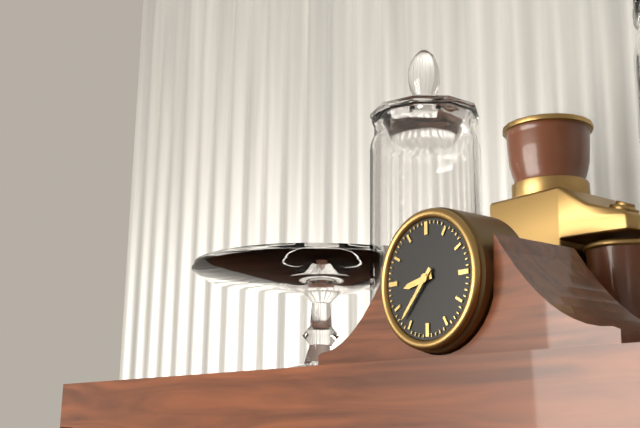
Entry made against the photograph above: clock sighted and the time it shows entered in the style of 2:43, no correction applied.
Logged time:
8:37
